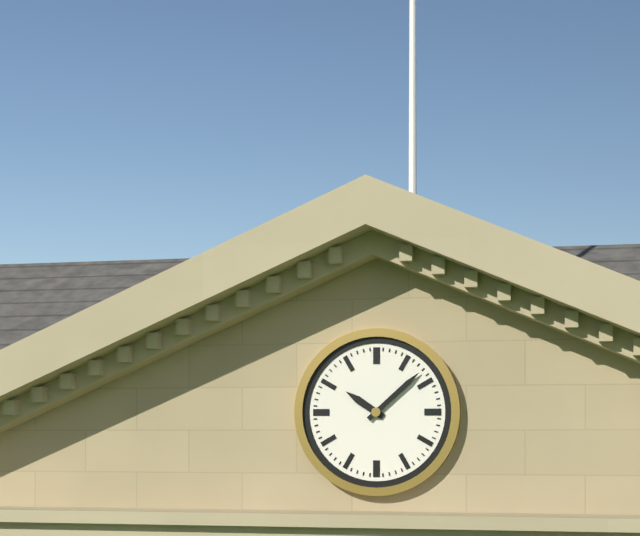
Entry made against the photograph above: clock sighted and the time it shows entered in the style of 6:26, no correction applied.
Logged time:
10:08
